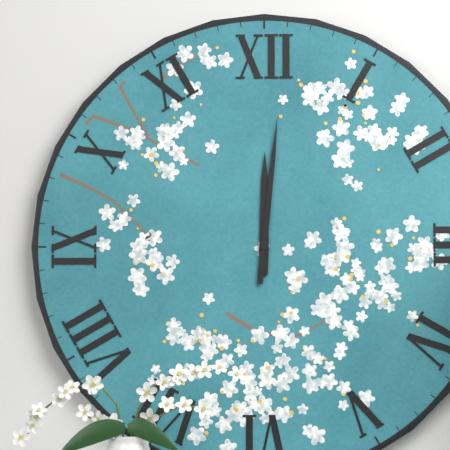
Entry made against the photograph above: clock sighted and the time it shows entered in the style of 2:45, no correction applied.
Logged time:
12:01
